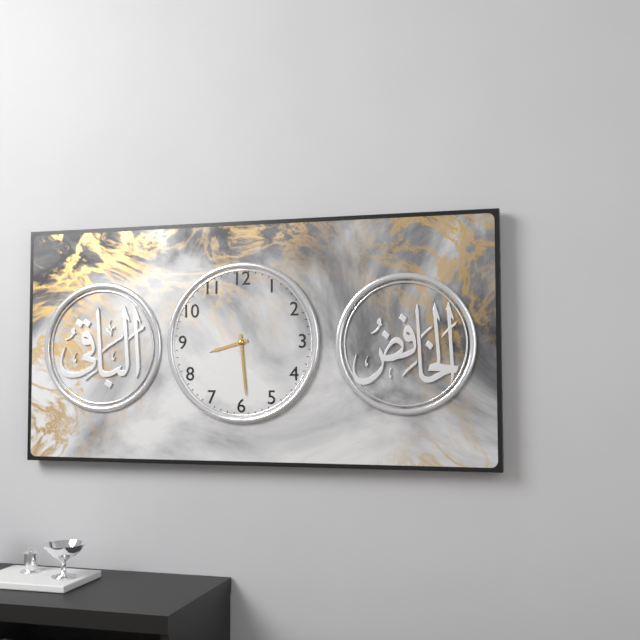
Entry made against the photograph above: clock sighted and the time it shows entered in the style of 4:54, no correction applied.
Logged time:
8:29
